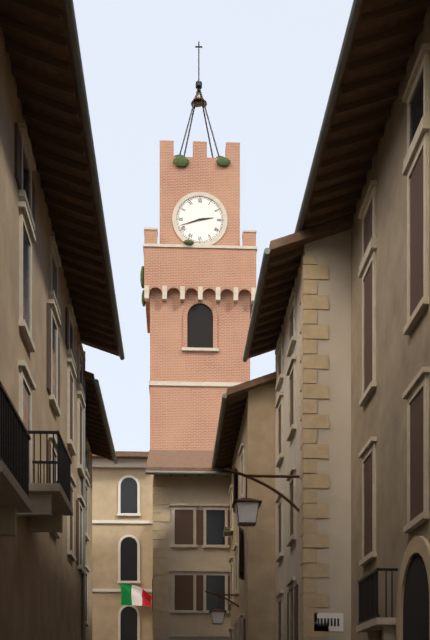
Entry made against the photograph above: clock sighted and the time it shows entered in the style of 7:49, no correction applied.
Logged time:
2:42
